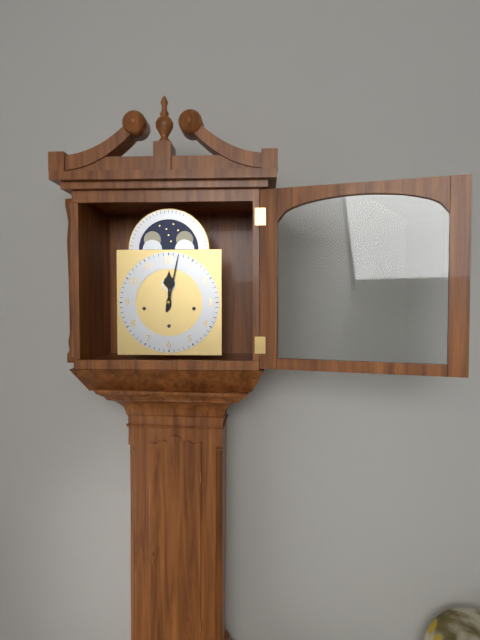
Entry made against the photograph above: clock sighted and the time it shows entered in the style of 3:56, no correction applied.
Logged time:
12:02
